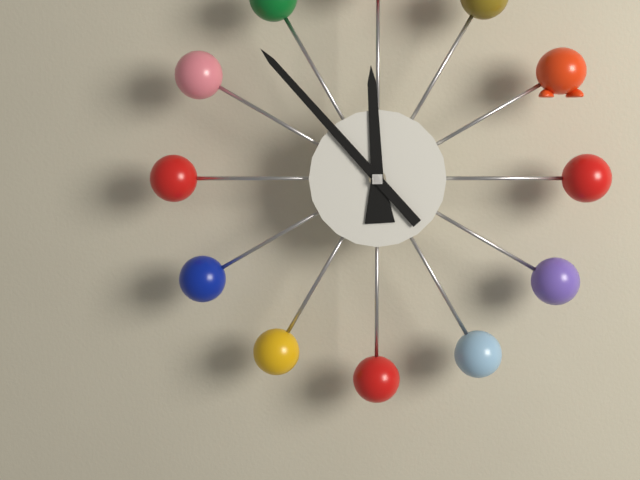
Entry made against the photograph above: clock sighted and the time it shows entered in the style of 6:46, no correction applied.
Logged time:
11:53
